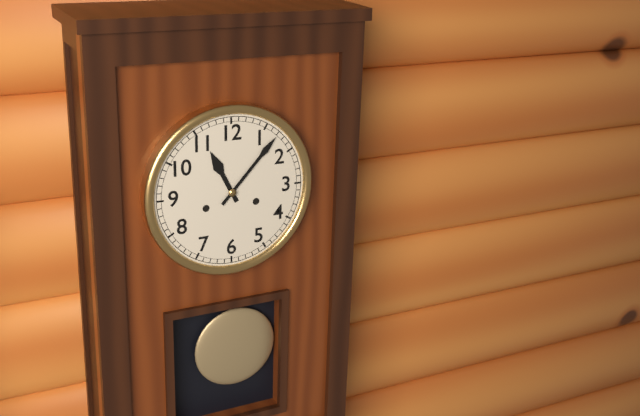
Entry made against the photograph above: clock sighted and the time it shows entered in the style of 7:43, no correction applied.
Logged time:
11:07
